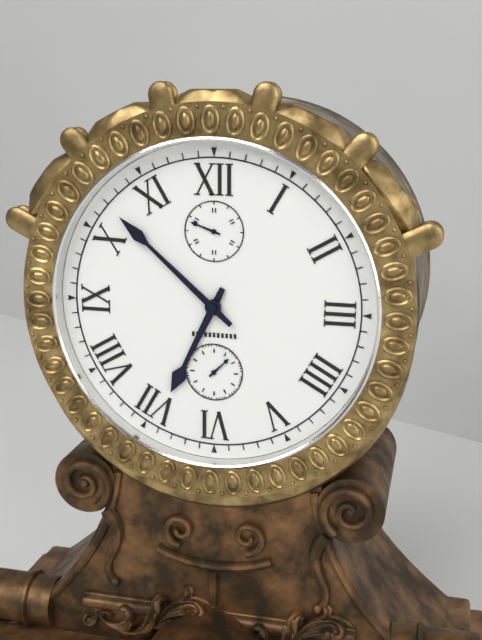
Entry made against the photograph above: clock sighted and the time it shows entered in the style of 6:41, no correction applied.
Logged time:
6:52
